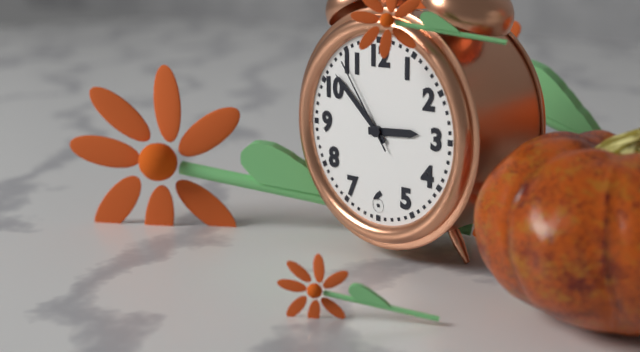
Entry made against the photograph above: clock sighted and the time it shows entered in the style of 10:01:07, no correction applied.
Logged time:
2:52:54
